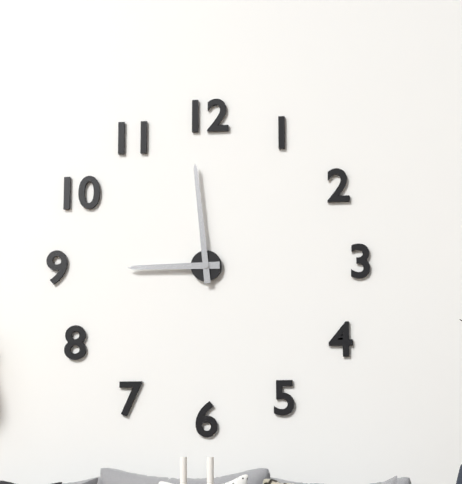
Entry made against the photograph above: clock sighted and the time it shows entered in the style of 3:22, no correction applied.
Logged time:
8:59
